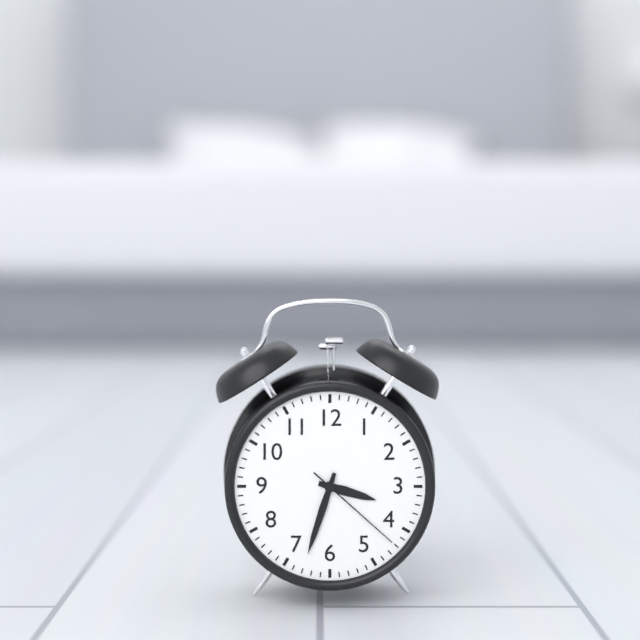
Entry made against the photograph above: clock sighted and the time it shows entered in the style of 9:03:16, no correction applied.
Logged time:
3:33:22
